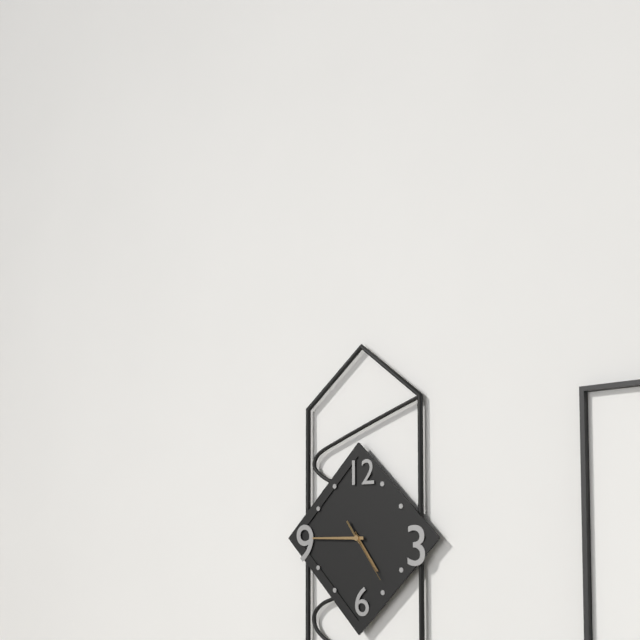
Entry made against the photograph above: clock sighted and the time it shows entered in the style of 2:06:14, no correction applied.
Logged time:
4:45:24
